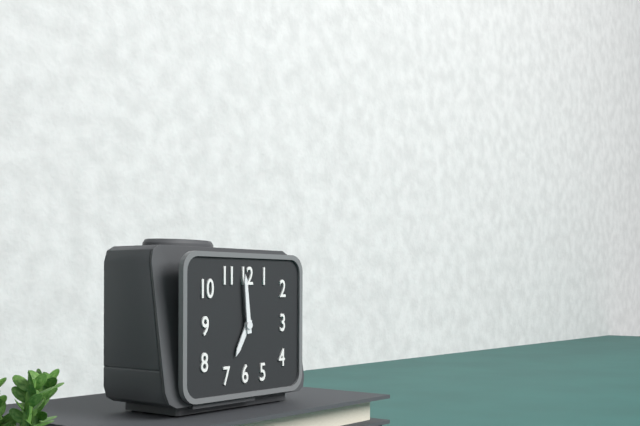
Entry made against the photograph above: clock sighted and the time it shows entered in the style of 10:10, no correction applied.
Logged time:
6:59
